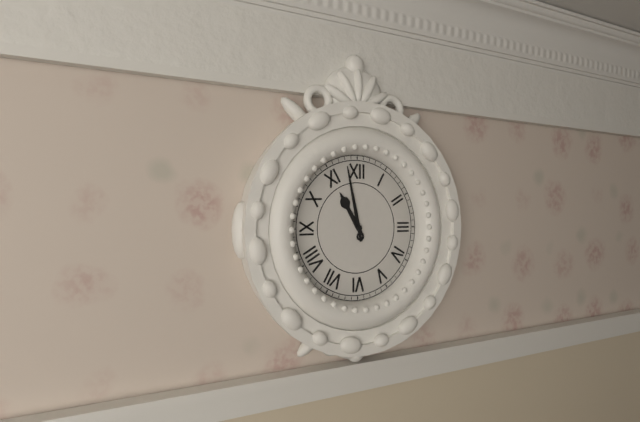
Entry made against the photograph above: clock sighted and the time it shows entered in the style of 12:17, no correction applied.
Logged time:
10:58
